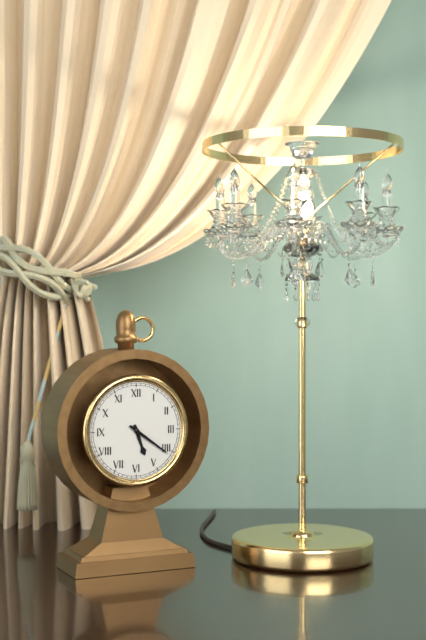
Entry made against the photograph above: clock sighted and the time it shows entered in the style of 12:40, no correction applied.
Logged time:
5:21
